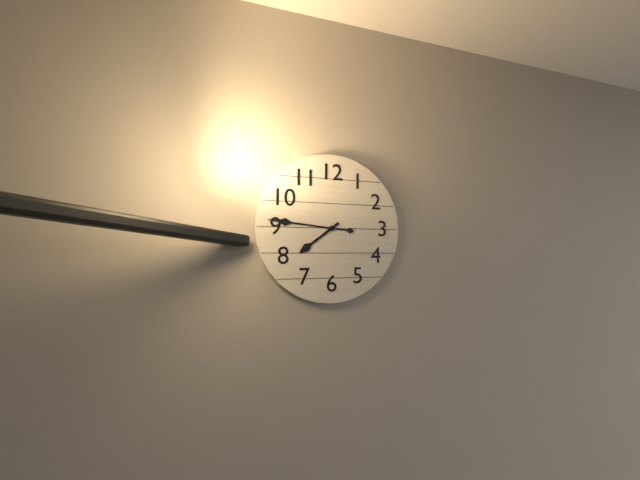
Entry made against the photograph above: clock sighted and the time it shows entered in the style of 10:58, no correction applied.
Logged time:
7:46
